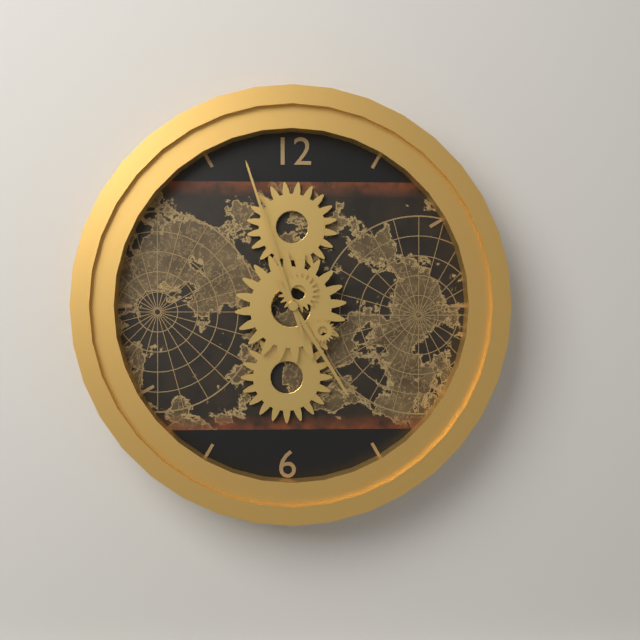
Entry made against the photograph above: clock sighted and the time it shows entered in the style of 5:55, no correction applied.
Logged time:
4:57
